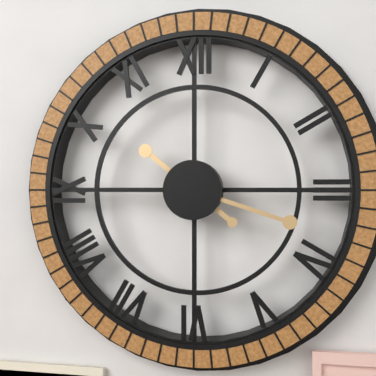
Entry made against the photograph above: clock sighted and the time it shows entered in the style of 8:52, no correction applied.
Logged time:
10:18
